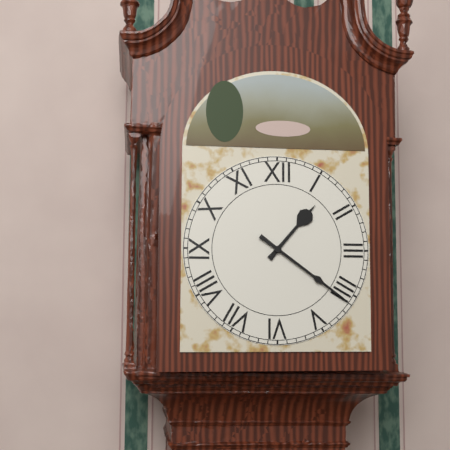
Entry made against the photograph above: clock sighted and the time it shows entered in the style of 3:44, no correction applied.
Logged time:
1:21
